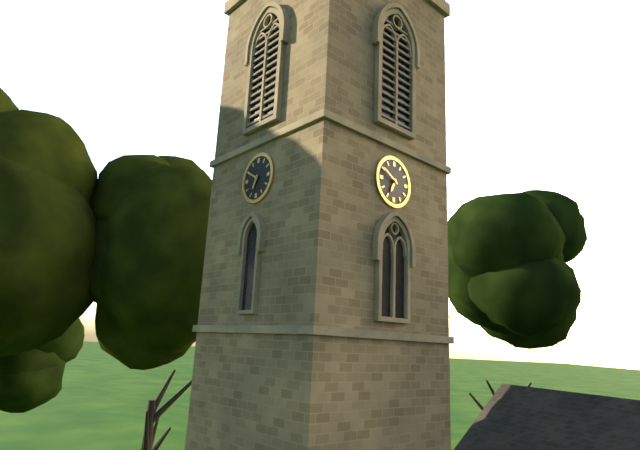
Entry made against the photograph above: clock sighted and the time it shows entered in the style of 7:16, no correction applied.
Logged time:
6:50
